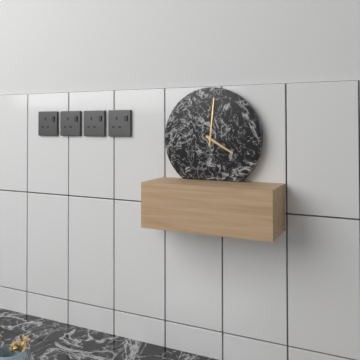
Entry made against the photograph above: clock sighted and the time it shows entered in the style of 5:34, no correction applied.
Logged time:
4:01
